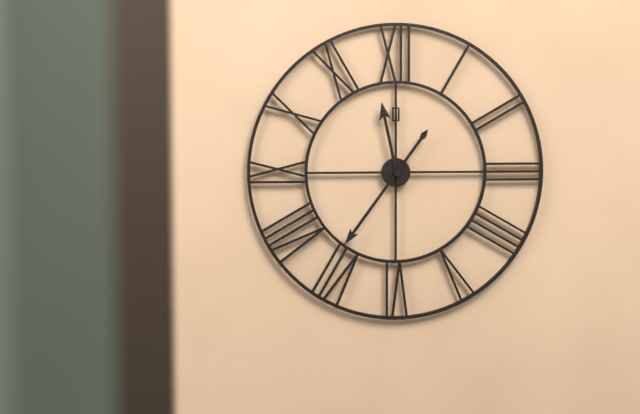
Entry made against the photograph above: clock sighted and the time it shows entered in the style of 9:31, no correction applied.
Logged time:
11:36
